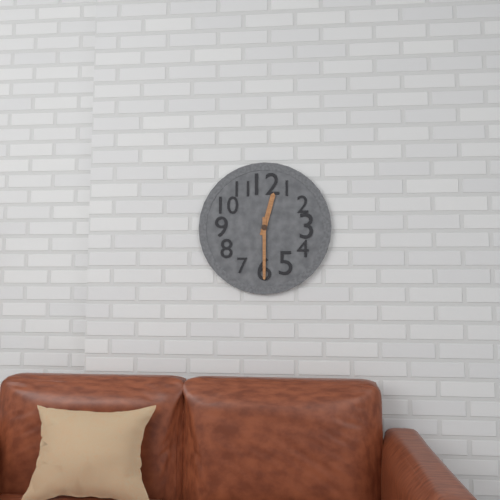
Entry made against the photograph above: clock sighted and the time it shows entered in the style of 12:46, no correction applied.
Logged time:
12:30
